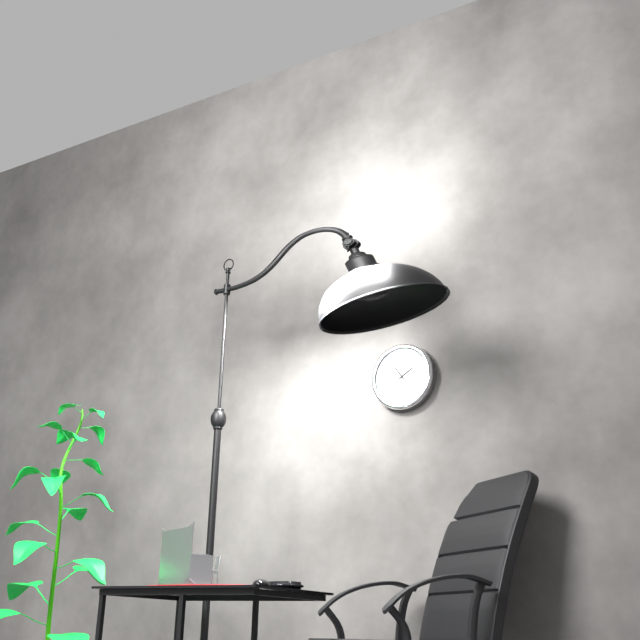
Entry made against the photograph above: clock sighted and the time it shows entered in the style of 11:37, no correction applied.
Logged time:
1:54
